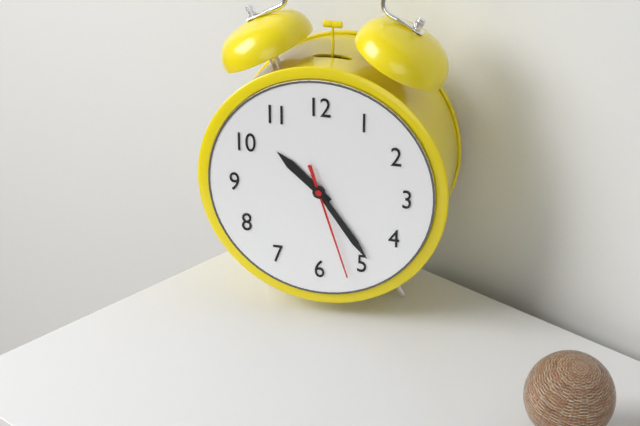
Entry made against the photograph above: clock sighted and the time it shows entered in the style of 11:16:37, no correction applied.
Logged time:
10:24:27
